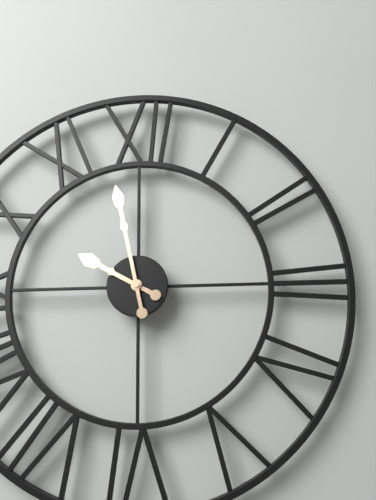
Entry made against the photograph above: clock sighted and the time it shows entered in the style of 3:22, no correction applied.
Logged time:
9:58
